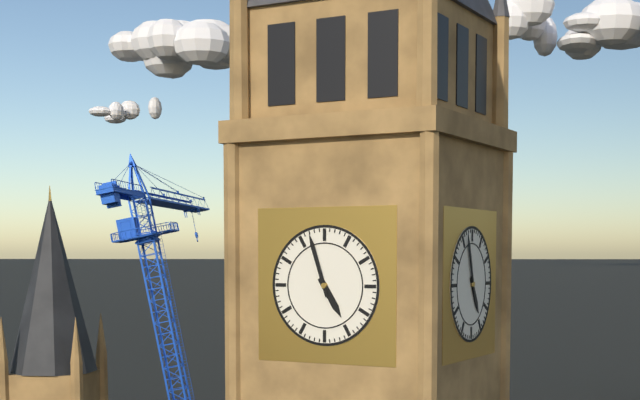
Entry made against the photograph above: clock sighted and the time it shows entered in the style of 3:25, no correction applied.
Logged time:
4:57
